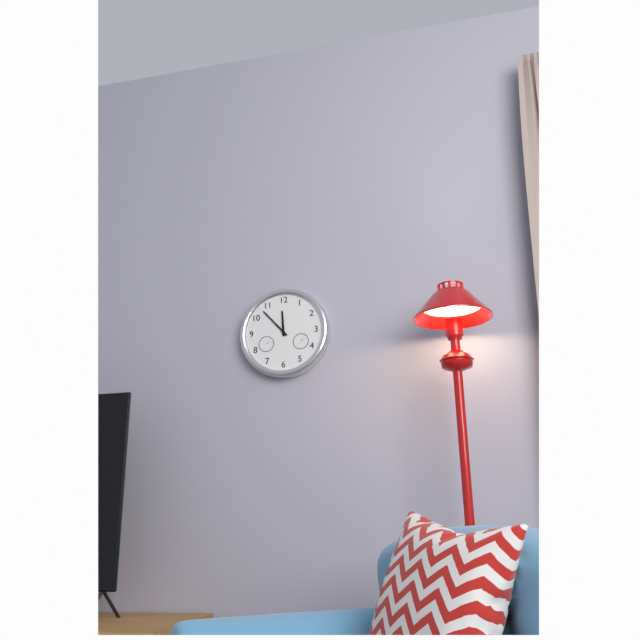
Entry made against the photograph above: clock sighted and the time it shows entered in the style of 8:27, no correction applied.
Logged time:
11:53
